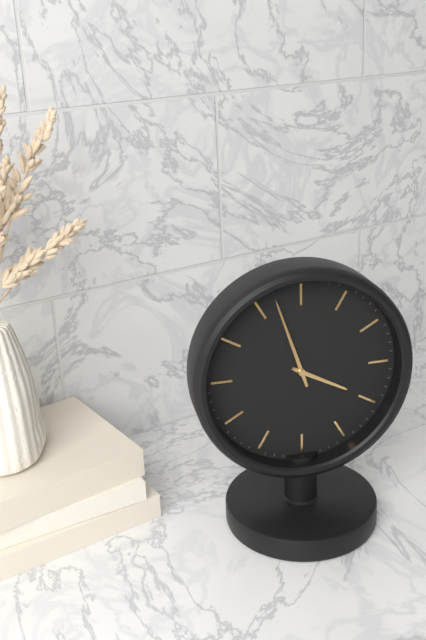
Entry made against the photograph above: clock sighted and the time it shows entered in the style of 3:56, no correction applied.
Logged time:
3:57
